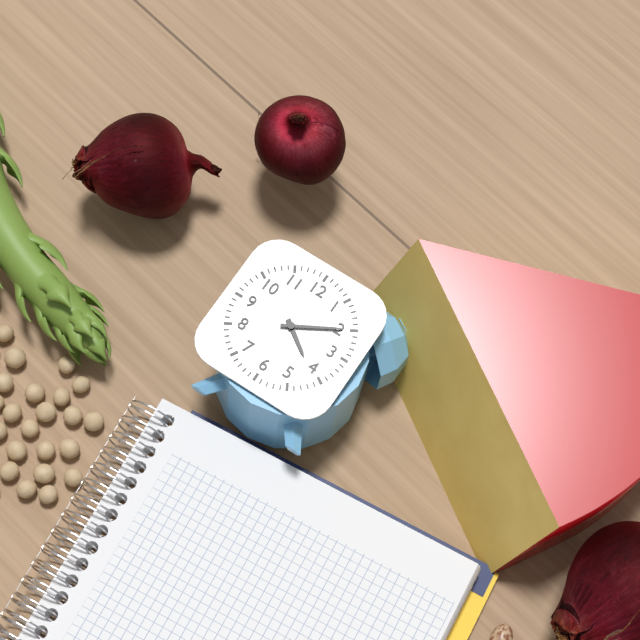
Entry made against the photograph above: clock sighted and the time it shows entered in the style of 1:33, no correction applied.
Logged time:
4:10
